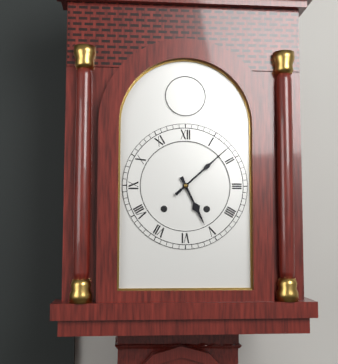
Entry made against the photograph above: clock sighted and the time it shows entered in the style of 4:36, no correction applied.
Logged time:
5:08
